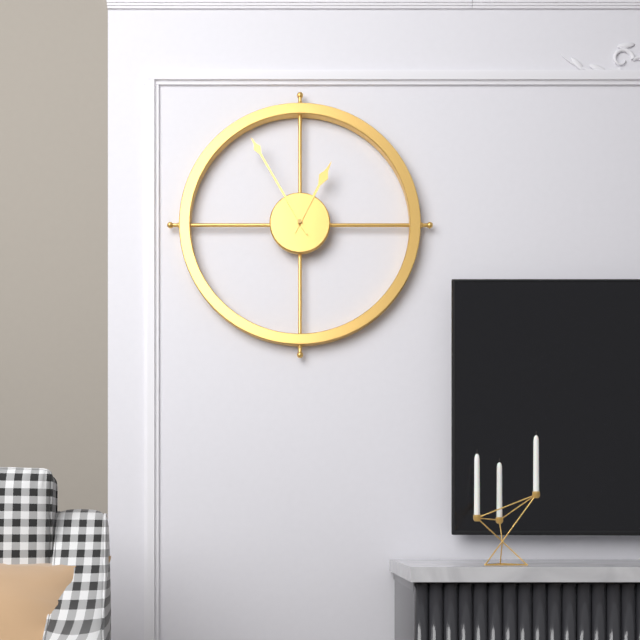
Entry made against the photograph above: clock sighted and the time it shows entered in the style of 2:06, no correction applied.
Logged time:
12:55
